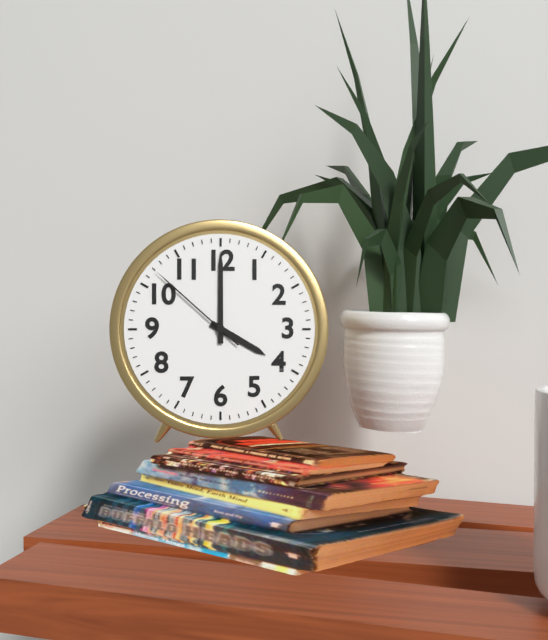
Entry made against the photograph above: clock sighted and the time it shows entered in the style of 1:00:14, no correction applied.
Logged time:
4:00:52
